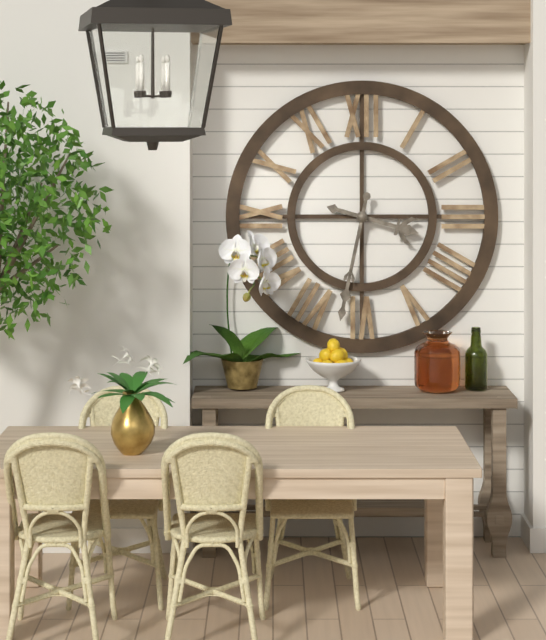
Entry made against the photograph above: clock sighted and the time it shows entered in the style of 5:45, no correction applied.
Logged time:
3:32
